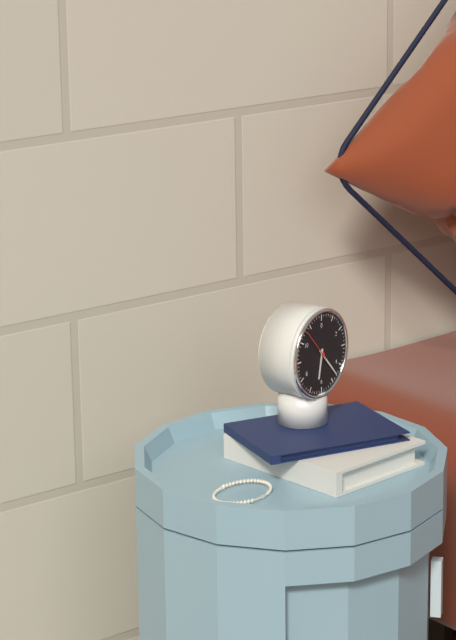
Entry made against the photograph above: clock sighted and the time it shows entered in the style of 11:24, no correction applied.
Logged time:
6:23
